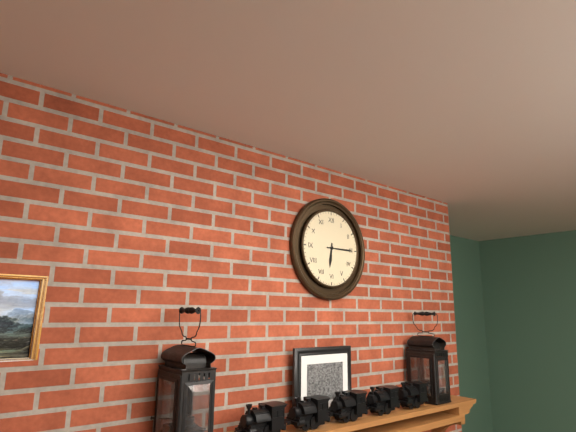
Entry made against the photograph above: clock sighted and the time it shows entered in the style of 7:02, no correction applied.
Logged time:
6:15
